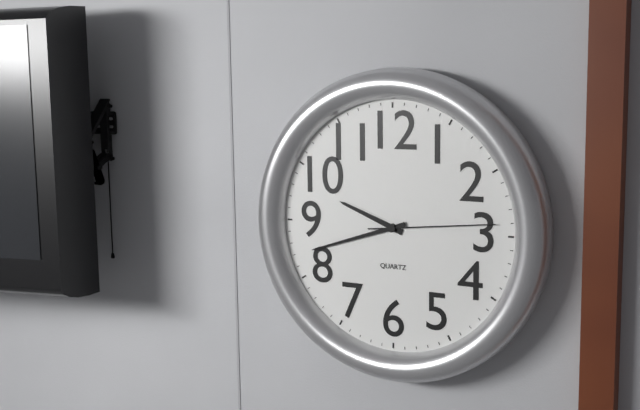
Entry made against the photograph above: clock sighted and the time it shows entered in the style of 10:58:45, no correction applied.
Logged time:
9:42:14
